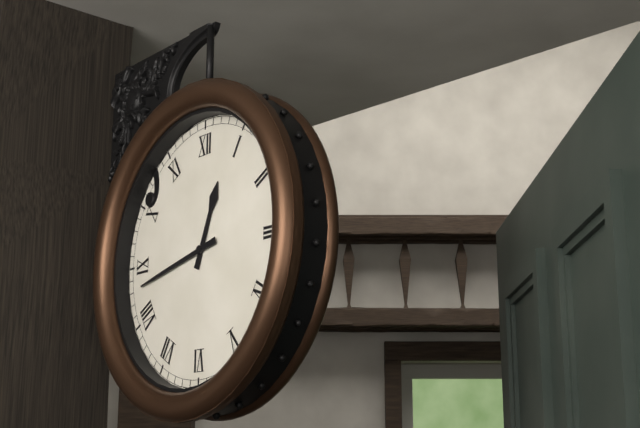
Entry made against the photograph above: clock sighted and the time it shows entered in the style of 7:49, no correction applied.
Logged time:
12:43
